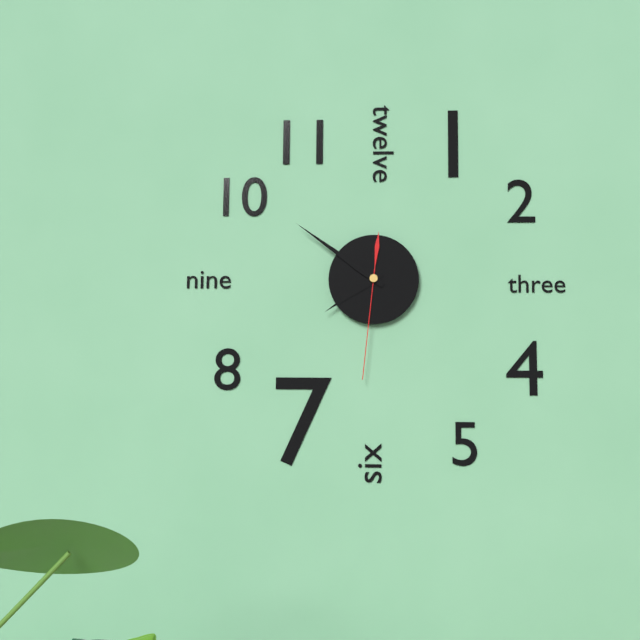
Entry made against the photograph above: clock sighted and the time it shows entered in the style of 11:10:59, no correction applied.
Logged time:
7:51:31
